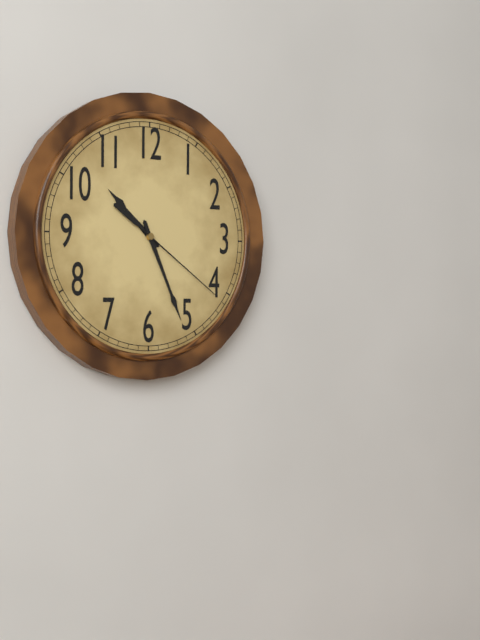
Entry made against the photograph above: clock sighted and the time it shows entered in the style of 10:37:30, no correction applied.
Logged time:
10:26:21
